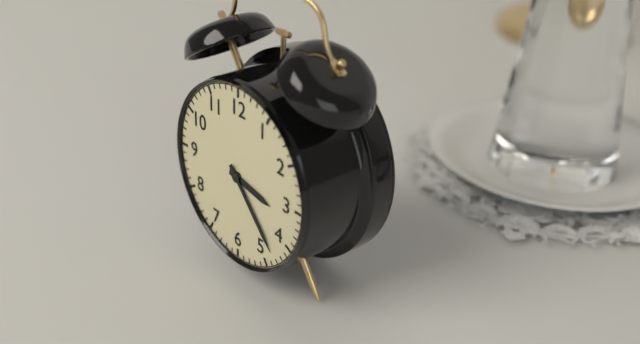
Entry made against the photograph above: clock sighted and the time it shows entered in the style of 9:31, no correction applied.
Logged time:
3:23
